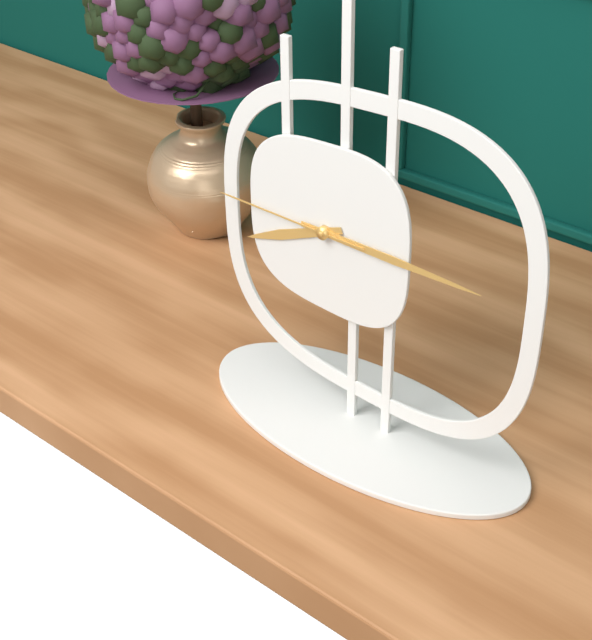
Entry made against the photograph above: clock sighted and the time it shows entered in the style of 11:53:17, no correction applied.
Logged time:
8:15:45
